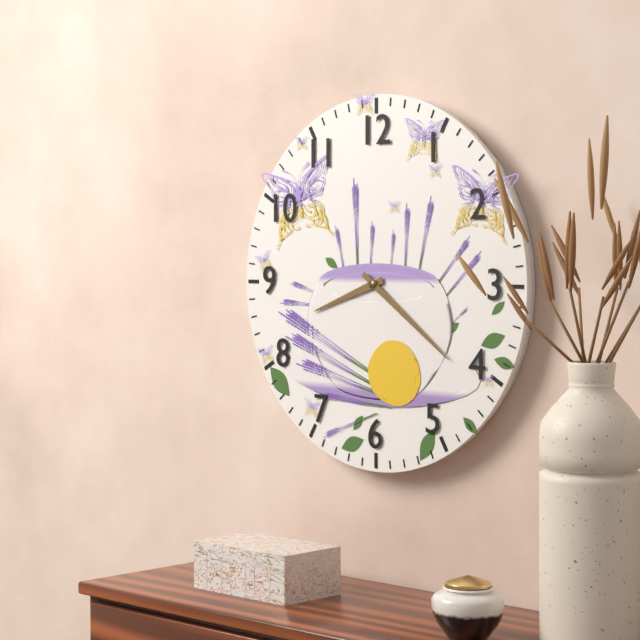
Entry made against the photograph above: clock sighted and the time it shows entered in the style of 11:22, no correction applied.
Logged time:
8:21
